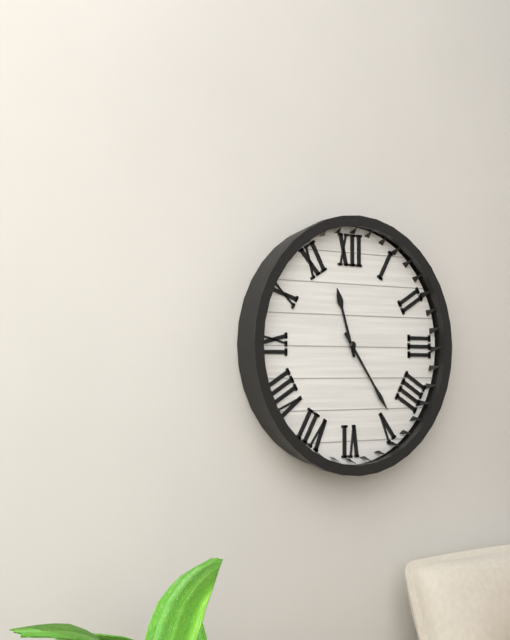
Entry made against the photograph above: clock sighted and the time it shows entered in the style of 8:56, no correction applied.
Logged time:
11:24
